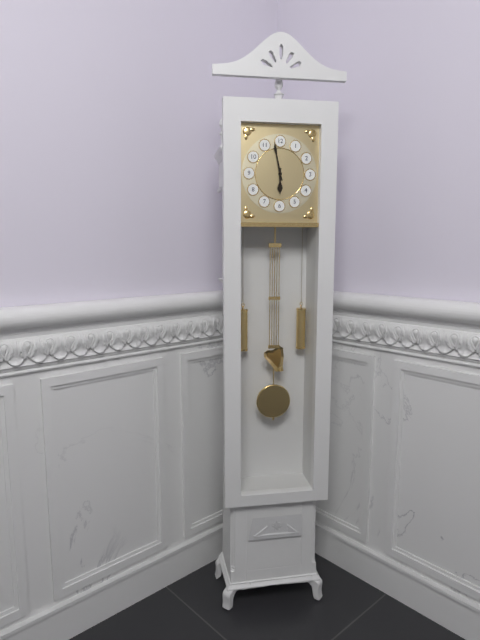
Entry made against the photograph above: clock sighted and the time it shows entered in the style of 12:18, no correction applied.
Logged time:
5:58
